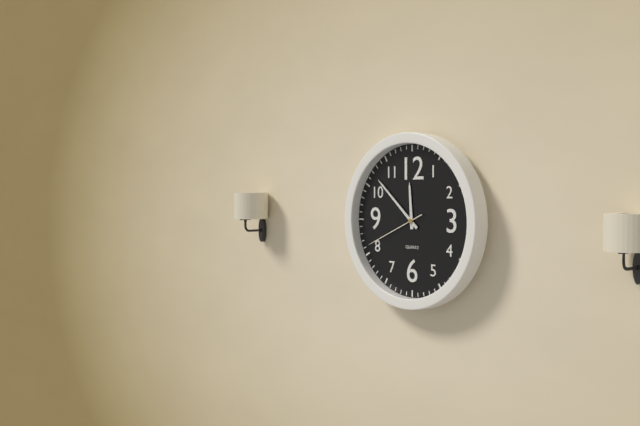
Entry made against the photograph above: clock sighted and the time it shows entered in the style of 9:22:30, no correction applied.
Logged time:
11:52:41
